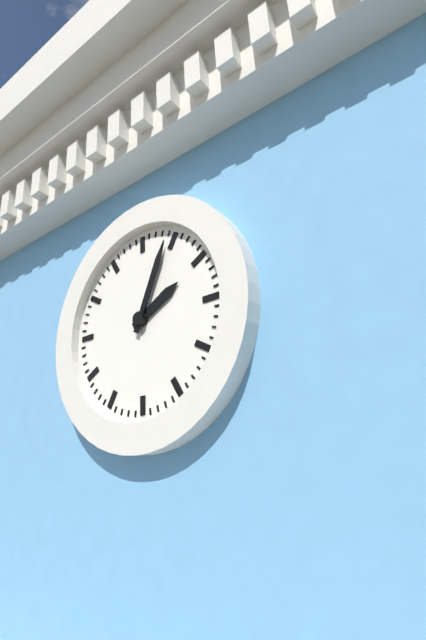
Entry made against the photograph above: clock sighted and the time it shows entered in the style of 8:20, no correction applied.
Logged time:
2:04
